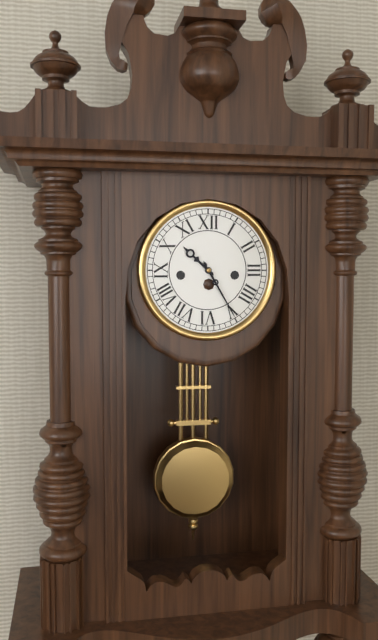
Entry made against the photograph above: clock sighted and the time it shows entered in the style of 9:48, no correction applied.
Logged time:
10:25
